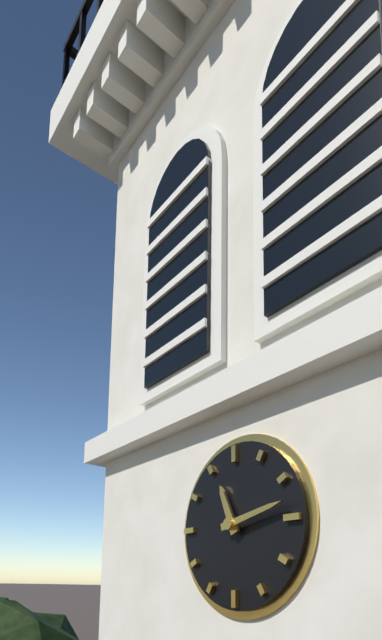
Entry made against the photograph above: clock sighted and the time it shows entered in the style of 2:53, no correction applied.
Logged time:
11:13
